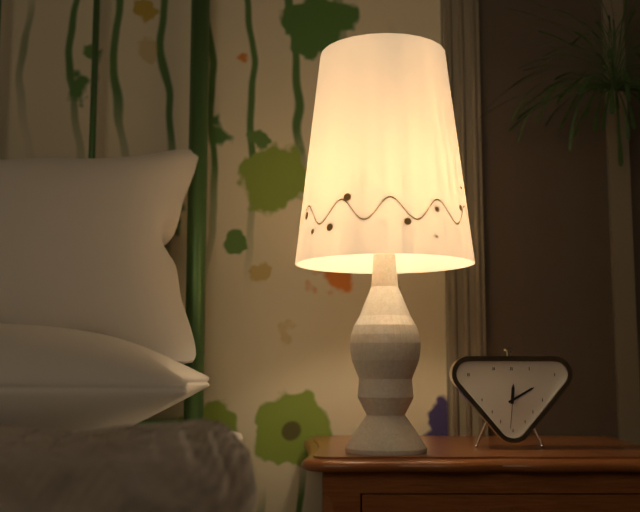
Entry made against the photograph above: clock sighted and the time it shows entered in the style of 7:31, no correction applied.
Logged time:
12:10
